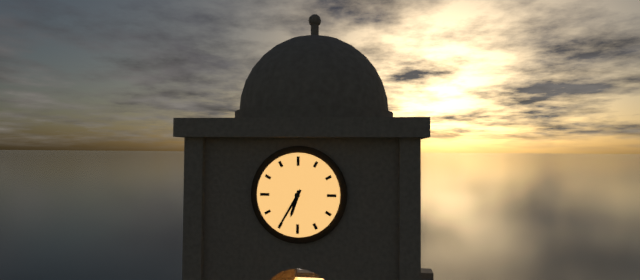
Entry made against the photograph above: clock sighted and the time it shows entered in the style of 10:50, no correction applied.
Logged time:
6:35
